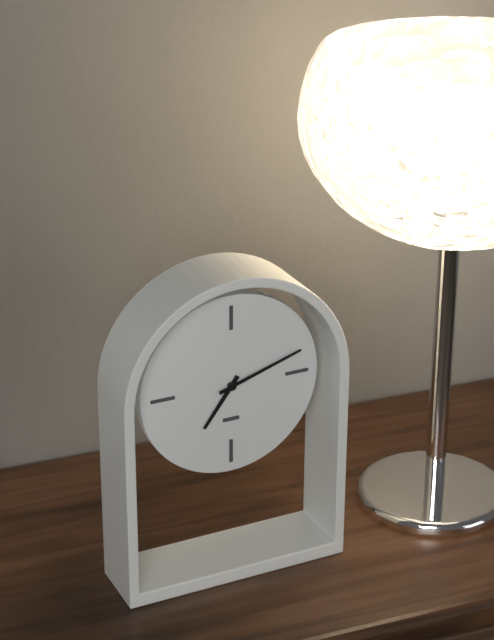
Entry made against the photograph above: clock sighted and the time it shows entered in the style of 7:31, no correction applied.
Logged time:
7:12
